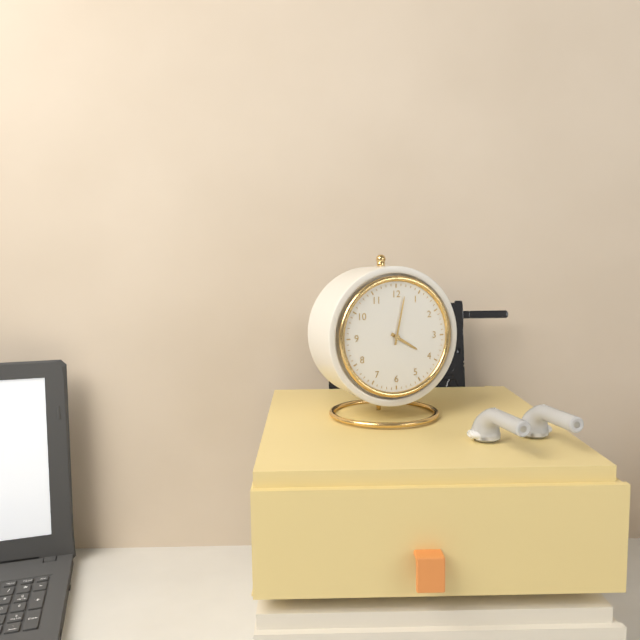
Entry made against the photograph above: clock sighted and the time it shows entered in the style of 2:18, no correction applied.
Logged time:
4:02
